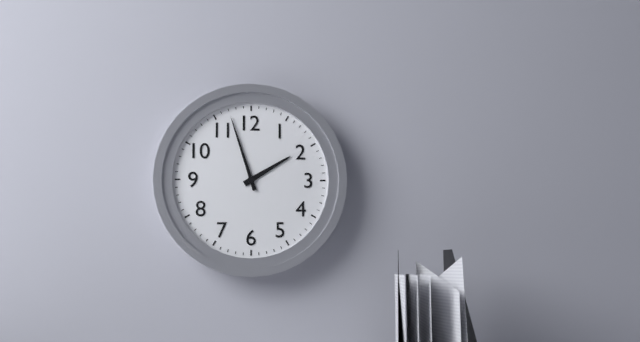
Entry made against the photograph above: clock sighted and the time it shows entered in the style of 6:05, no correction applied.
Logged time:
1:57
